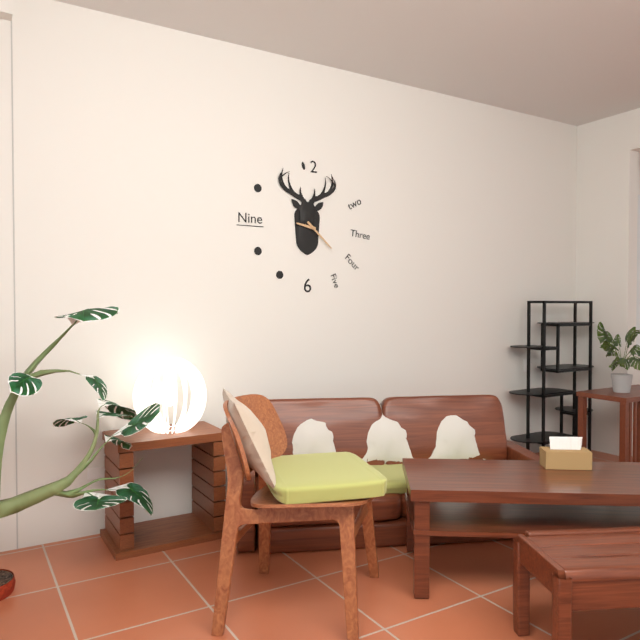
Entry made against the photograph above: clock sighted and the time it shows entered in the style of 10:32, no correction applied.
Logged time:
9:22
